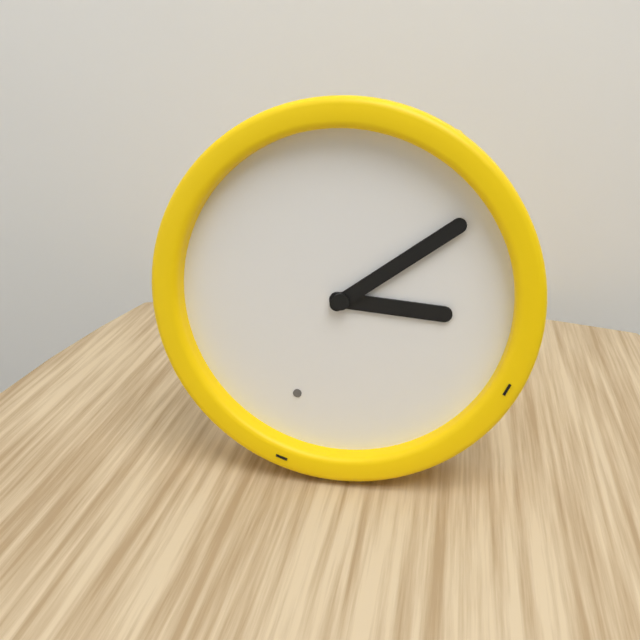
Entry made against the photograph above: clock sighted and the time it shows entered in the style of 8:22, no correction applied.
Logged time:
3:09
